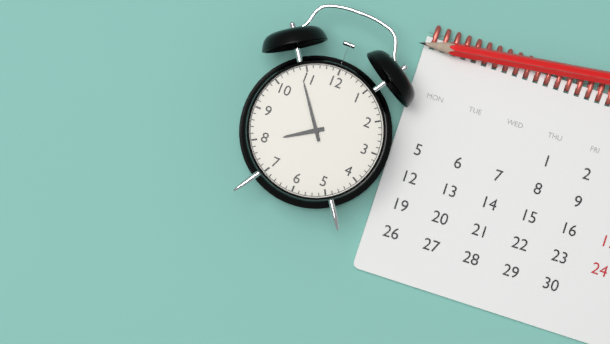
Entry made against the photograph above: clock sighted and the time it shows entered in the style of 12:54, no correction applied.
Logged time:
7:54
